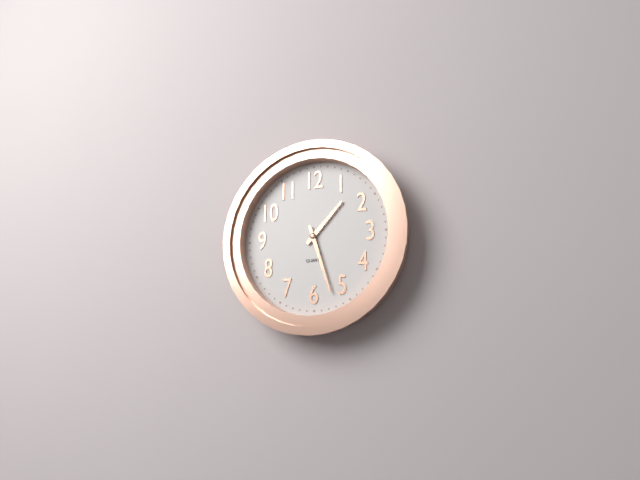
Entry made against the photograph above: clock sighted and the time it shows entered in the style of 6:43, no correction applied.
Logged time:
1:27
